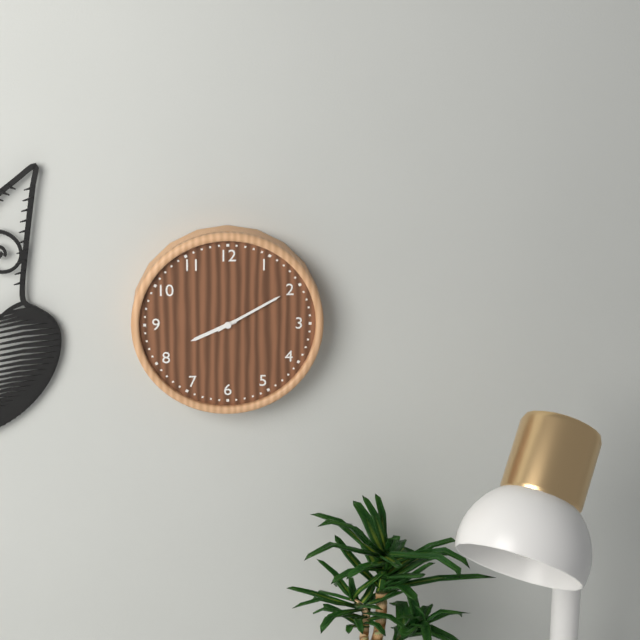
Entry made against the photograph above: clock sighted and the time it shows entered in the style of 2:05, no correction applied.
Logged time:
8:10
